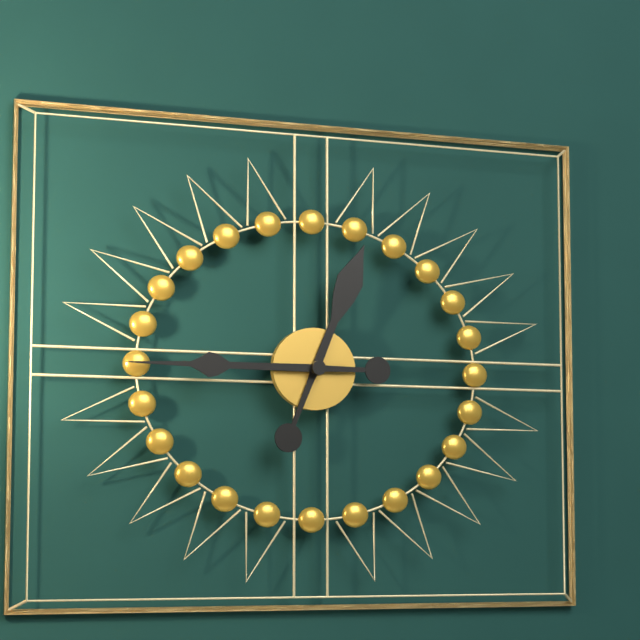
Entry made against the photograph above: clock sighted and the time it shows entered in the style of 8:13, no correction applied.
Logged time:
12:45
